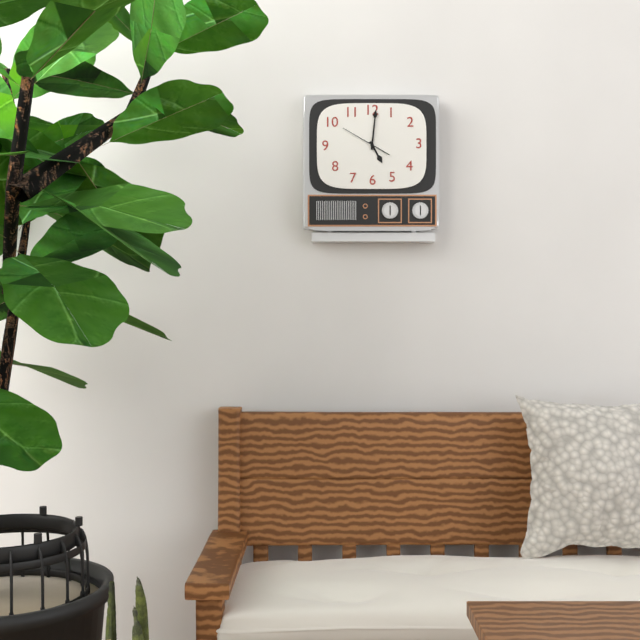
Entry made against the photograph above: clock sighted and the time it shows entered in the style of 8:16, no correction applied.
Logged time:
5:01
